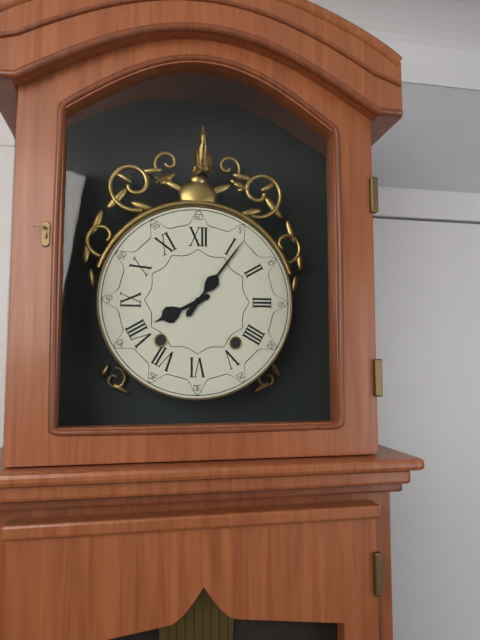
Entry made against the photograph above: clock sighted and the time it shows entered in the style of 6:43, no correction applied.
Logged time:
8:06
